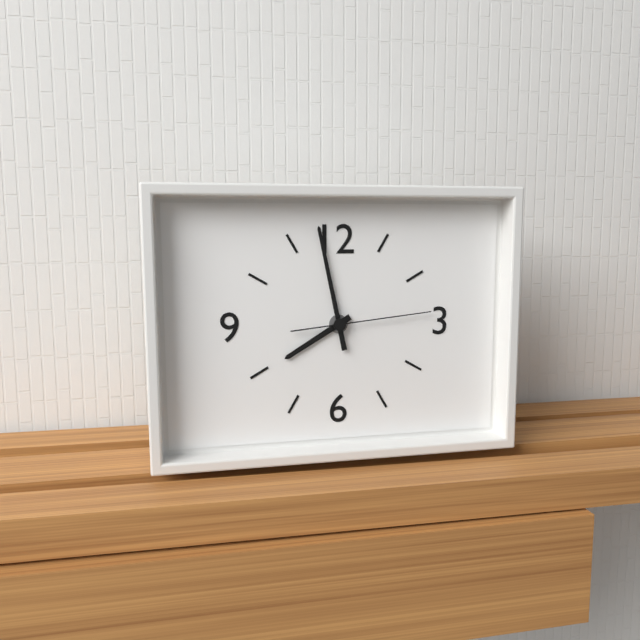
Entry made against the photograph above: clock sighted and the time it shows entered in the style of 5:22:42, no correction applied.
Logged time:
7:58:14
